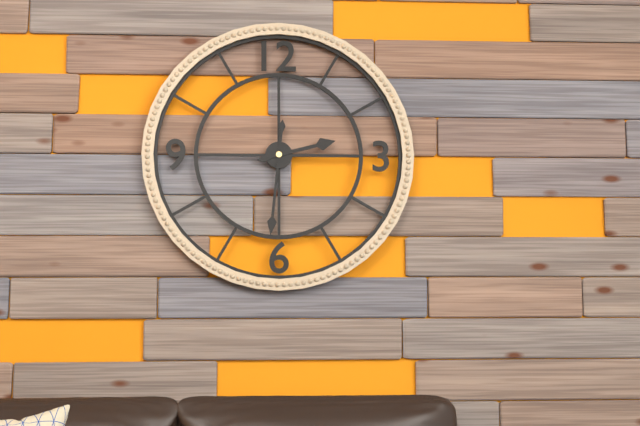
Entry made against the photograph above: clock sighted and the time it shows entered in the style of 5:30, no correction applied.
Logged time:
2:31
